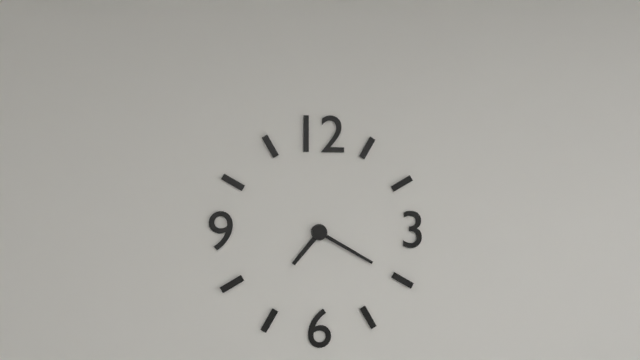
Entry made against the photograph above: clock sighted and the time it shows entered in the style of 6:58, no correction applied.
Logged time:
7:20
